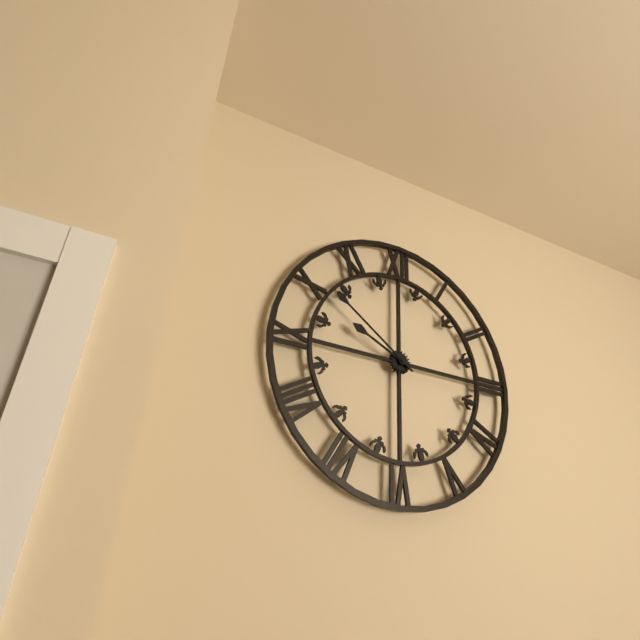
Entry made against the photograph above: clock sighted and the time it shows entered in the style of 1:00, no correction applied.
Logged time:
9:51
